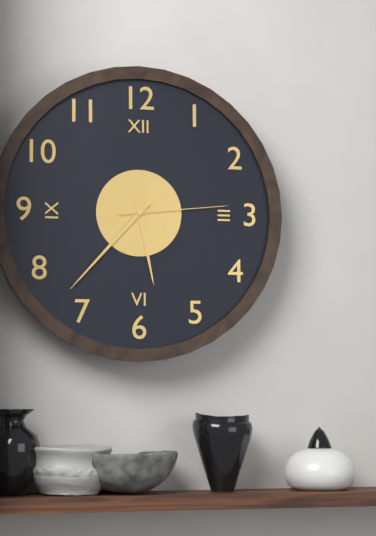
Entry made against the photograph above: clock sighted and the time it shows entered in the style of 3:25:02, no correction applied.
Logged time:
5:37:14
